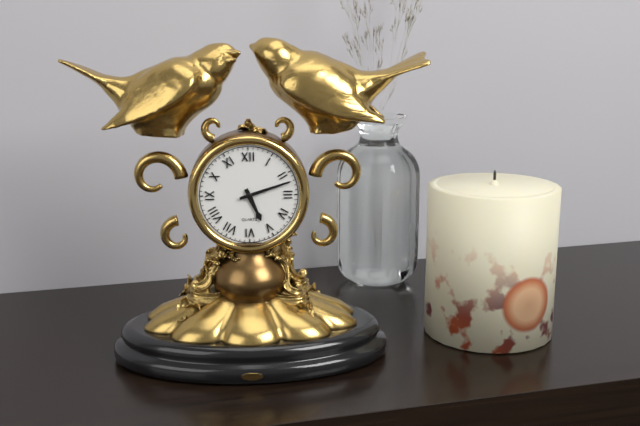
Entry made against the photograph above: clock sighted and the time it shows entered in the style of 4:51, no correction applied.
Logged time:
5:12
